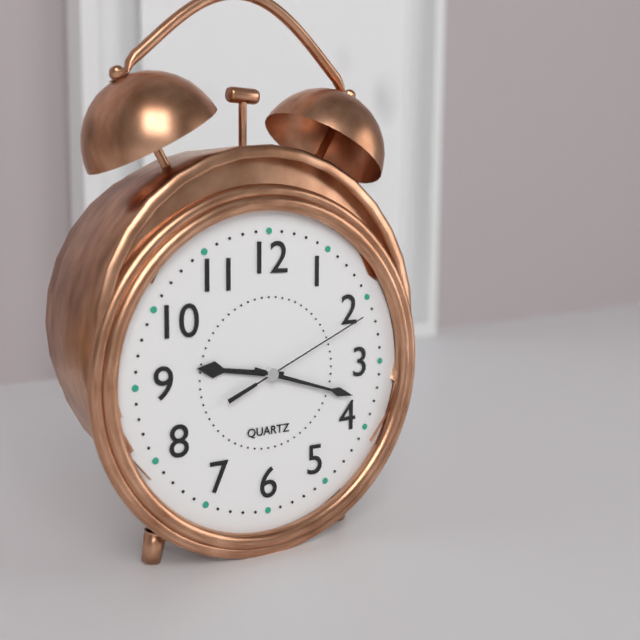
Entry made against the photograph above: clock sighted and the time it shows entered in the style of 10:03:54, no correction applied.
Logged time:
9:18:11
